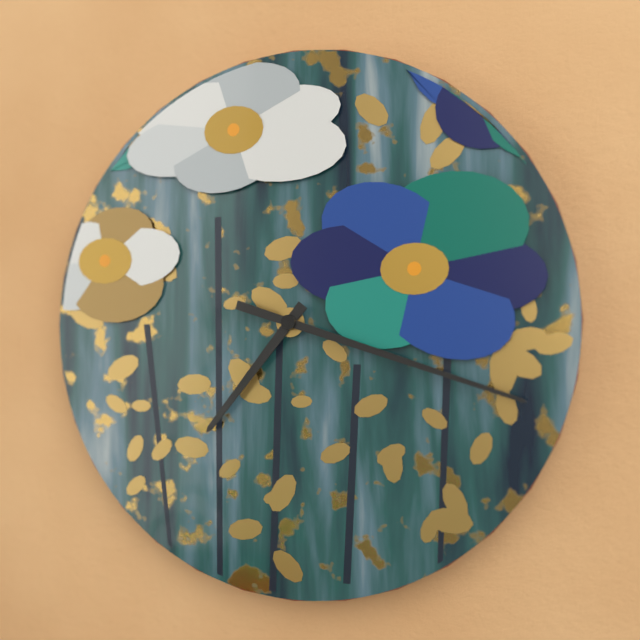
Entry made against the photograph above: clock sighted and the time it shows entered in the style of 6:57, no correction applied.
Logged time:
7:18
